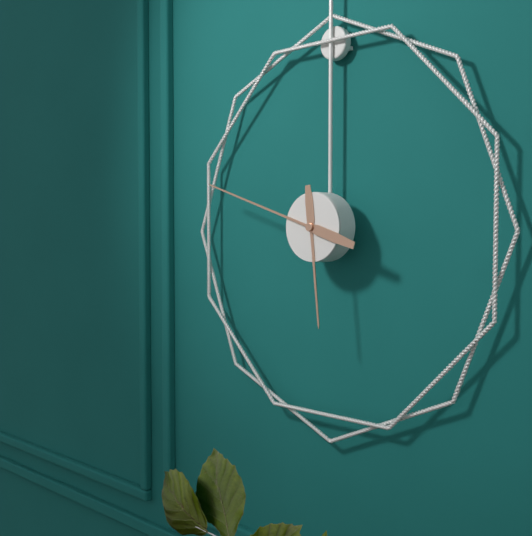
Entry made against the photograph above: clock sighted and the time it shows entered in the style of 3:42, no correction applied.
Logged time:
5:48
